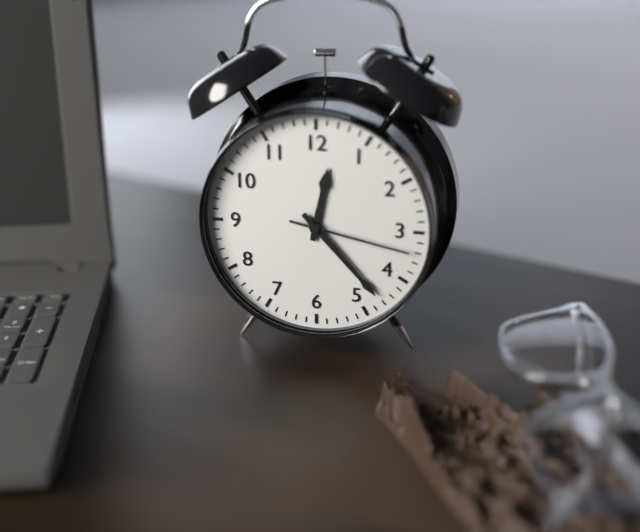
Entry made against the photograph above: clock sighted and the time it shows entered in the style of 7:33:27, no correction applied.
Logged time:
12:23:17
